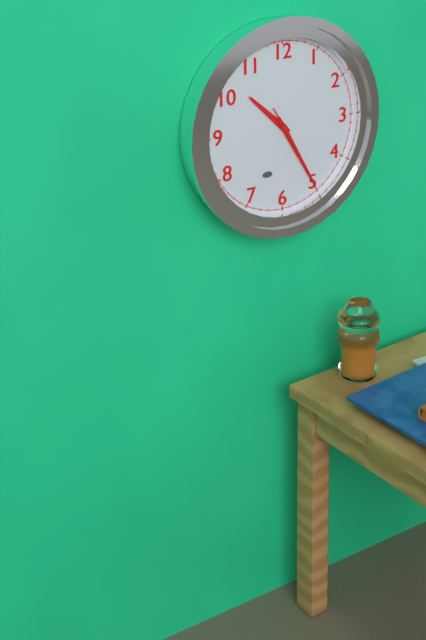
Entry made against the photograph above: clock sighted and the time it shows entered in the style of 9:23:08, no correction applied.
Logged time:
10:25:25
